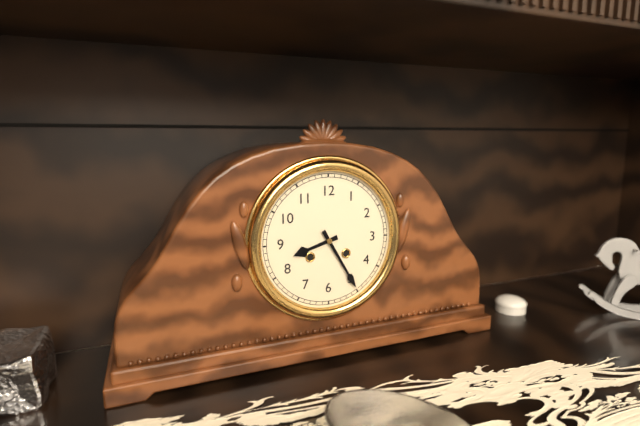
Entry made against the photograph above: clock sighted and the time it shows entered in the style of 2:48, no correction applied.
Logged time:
8:25
